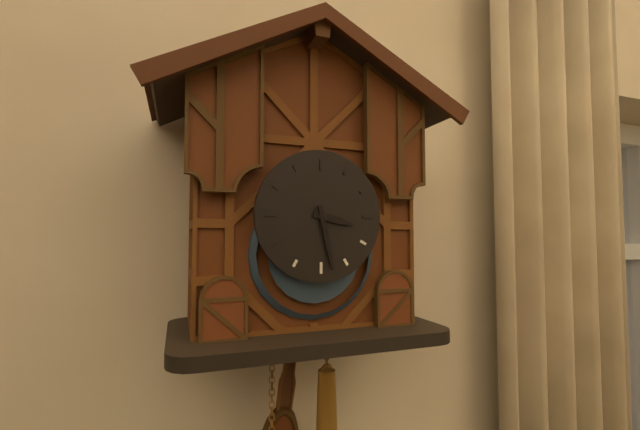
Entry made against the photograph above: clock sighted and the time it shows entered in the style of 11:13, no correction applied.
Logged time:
3:28
